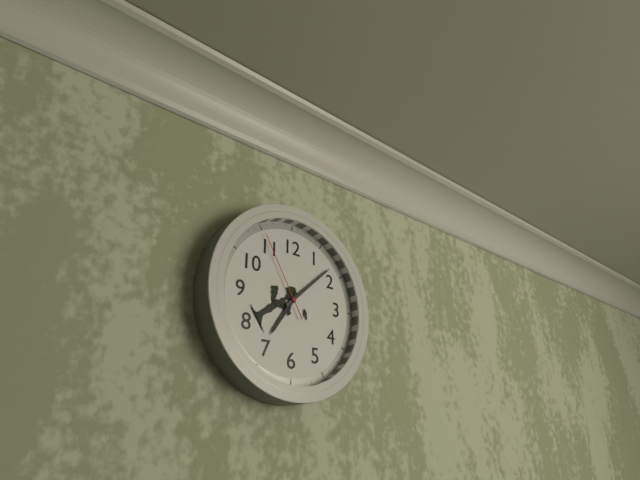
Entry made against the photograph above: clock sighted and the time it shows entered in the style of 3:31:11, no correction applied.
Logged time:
7:08:55
